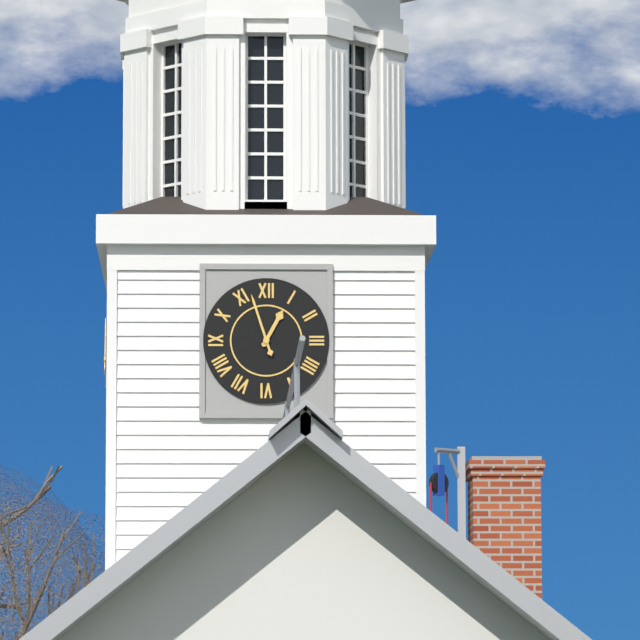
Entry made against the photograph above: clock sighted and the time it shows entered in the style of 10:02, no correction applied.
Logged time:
12:57
